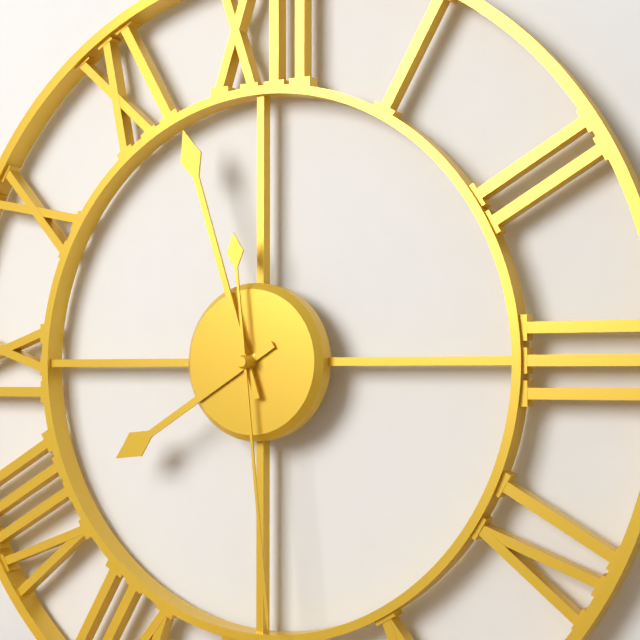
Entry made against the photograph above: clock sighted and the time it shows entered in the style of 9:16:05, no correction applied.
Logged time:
7:57:29
